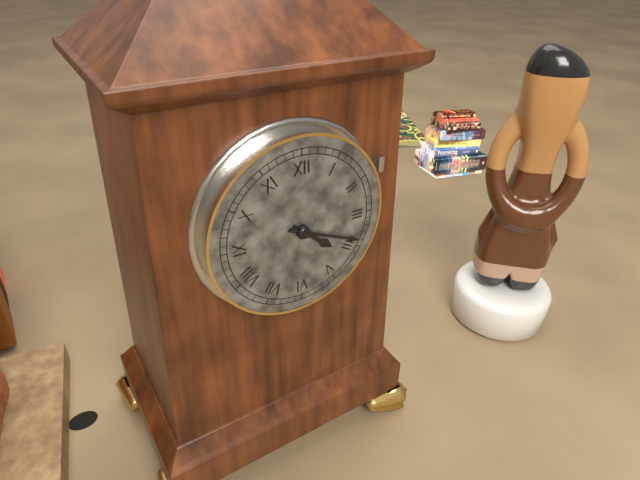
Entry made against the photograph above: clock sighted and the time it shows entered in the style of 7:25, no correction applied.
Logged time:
4:19
